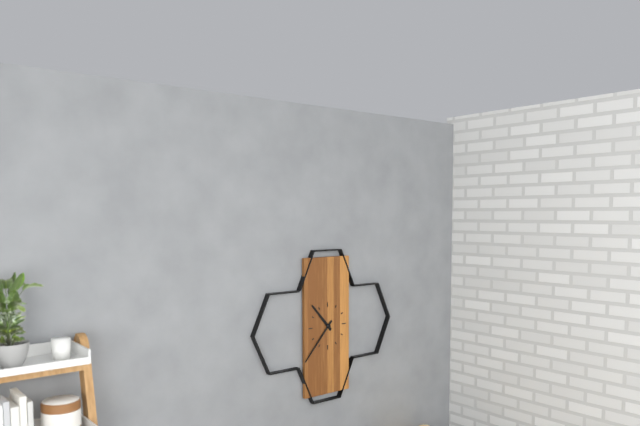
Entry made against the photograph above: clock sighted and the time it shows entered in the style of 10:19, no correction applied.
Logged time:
10:37
